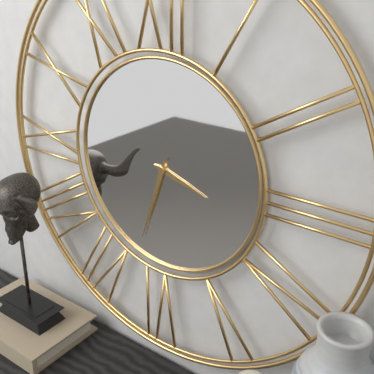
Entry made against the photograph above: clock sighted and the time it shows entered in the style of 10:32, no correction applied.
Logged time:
3:33
